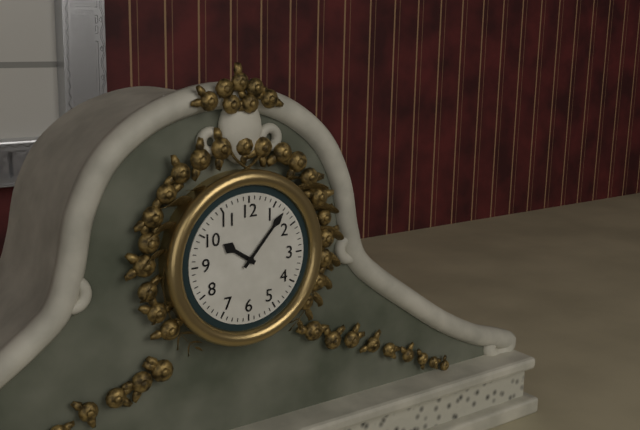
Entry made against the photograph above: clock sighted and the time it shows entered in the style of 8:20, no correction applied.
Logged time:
10:07
